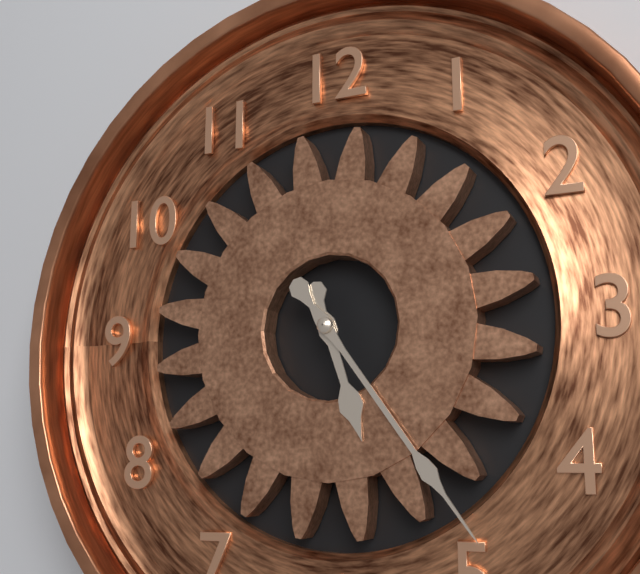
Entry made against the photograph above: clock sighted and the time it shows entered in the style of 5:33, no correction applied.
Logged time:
5:24
